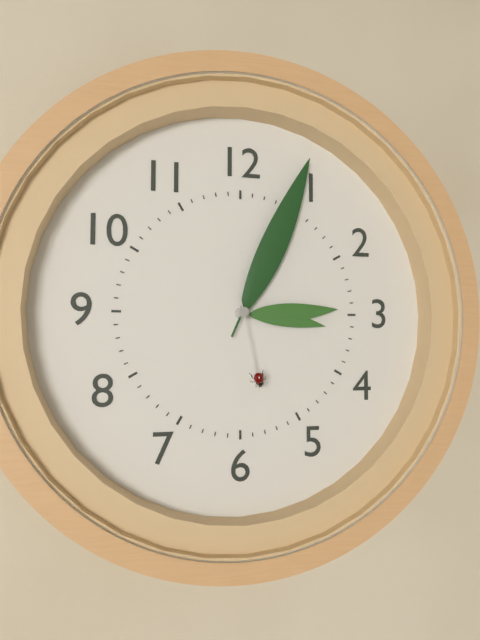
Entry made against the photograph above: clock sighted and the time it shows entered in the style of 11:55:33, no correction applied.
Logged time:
3:04:28
